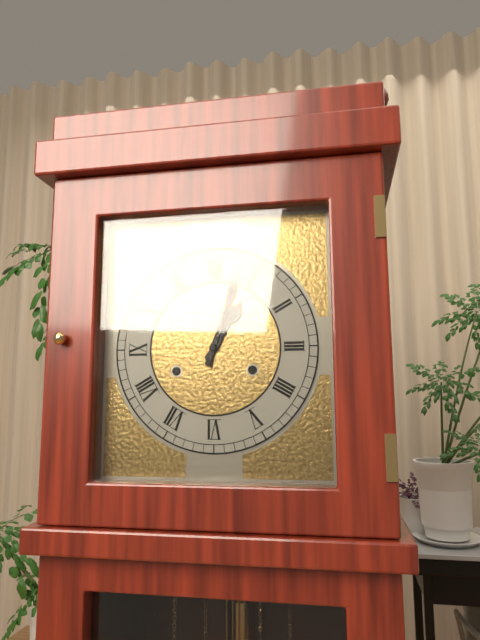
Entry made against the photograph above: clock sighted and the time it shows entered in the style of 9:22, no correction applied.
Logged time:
1:03
